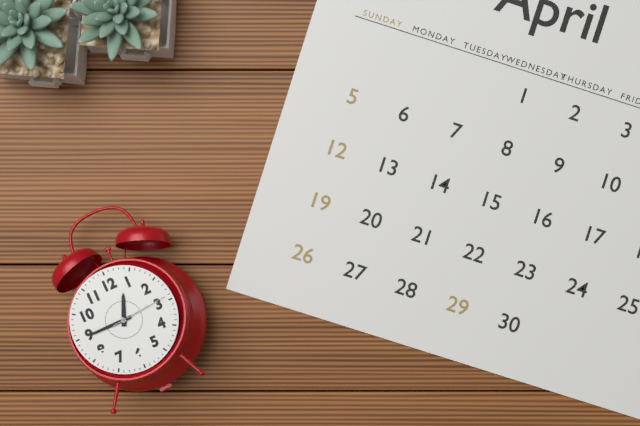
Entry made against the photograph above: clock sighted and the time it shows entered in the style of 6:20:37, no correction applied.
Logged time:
12:45:14
